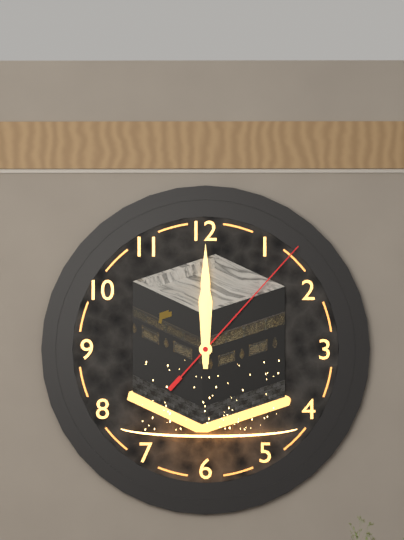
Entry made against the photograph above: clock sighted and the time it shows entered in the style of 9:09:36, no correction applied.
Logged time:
12:00:07
